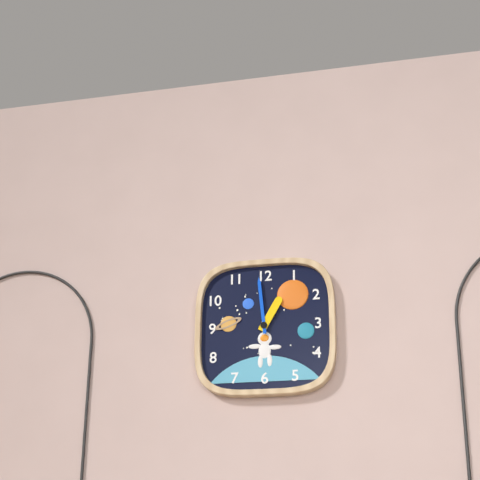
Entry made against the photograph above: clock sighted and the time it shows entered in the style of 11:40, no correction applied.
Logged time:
12:59
